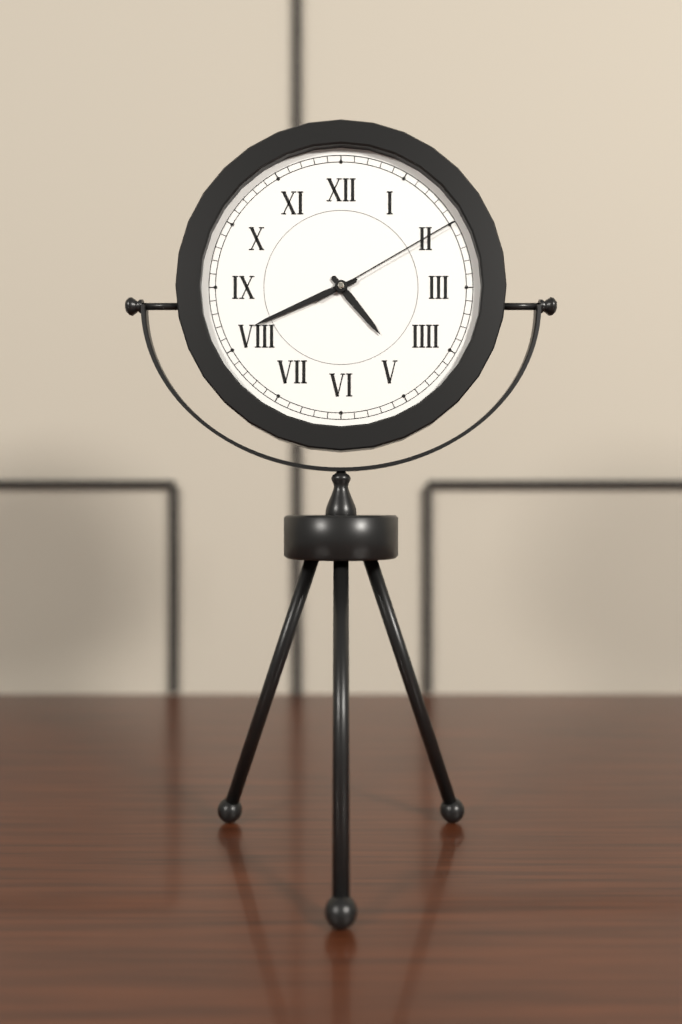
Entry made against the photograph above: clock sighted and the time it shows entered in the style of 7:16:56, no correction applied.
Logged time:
4:41:10
